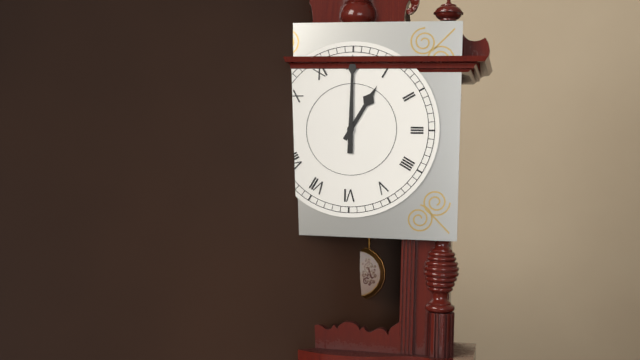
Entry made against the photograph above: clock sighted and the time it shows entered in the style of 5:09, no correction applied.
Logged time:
1:00
